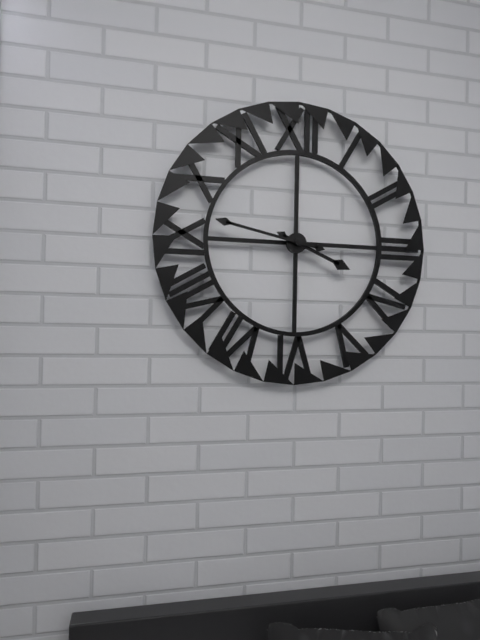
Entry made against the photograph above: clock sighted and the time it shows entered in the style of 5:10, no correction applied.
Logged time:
3:47
